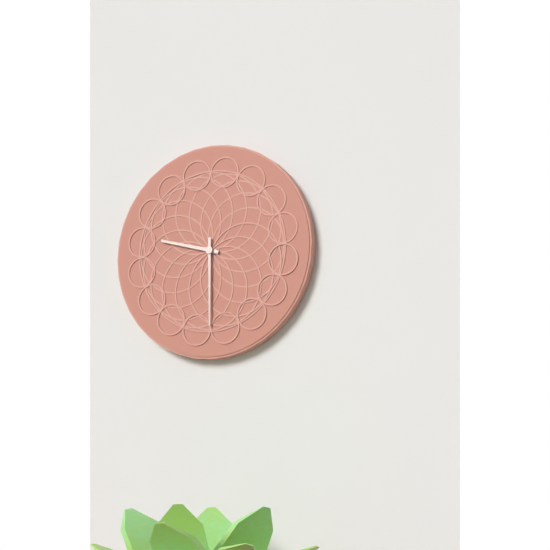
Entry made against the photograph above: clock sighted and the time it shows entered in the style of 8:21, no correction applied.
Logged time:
9:30
